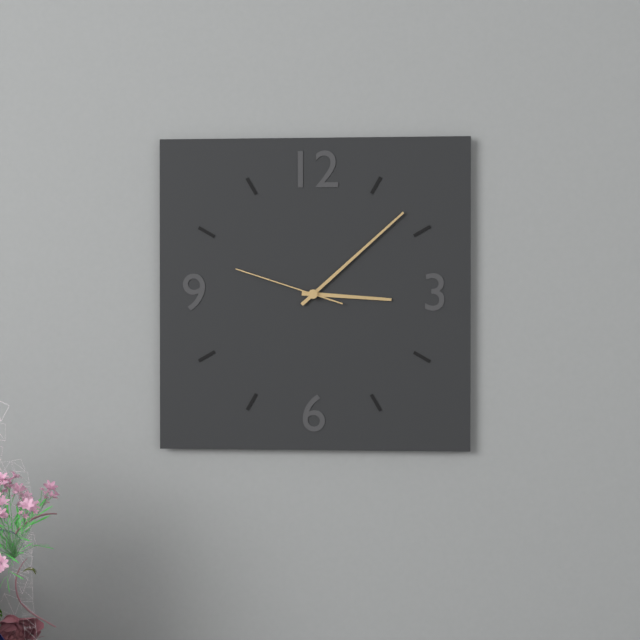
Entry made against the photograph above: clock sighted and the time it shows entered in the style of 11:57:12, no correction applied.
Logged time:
3:08:48
